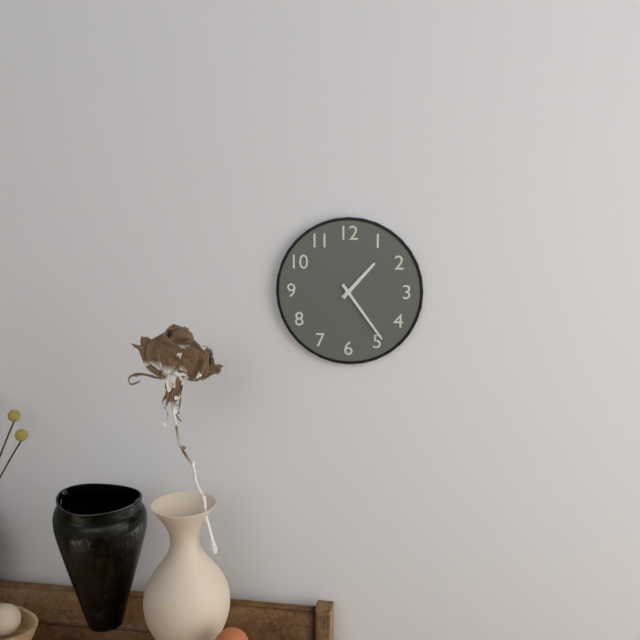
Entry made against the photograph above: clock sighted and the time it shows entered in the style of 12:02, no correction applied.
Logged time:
1:24
